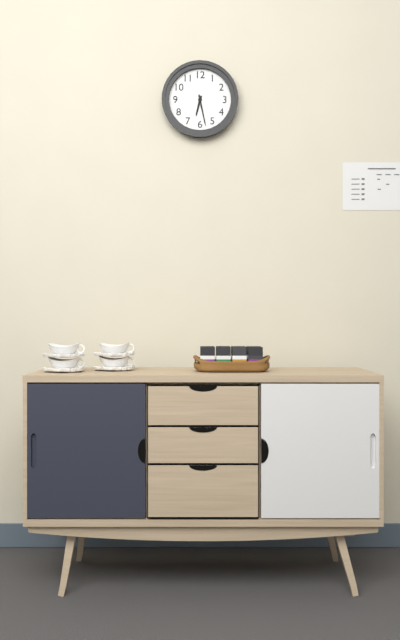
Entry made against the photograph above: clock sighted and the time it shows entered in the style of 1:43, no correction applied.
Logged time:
6:28
